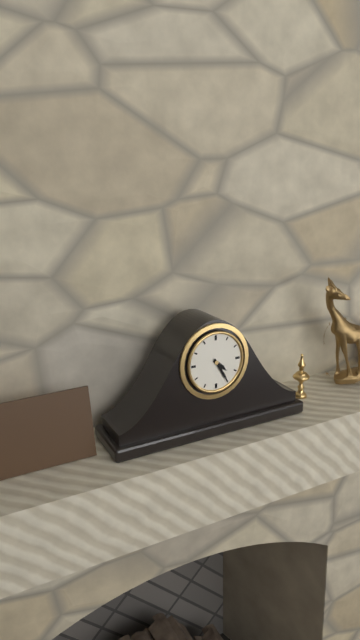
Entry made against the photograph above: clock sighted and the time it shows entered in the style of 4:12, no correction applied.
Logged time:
4:25
